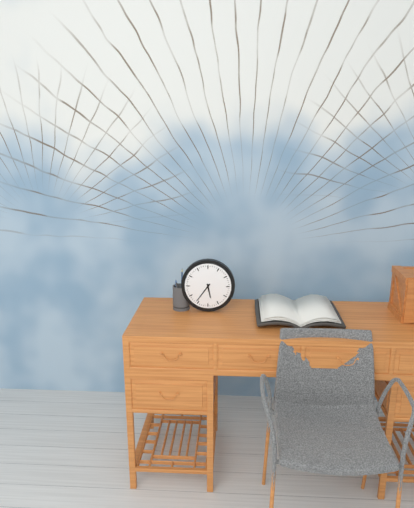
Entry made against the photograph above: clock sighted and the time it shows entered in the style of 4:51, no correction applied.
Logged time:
5:36
